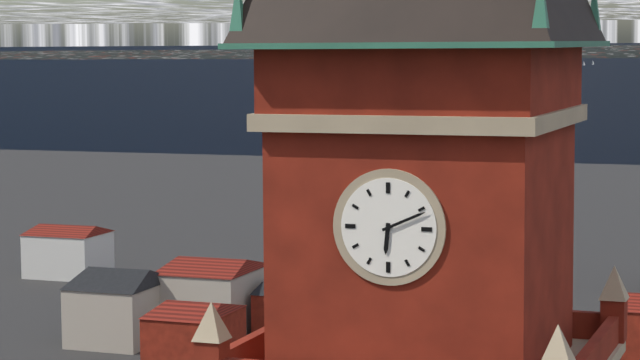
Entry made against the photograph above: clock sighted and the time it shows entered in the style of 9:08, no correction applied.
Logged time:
6:11
